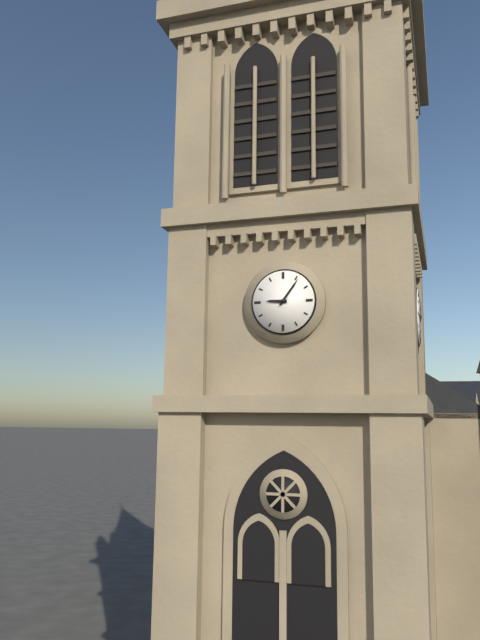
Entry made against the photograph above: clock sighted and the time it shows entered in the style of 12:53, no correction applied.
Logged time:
9:06
